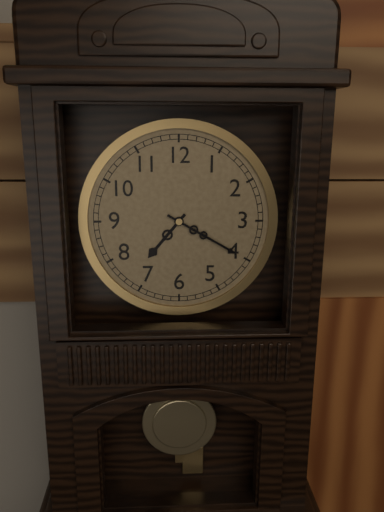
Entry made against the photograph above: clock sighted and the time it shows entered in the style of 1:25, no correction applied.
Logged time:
7:20
